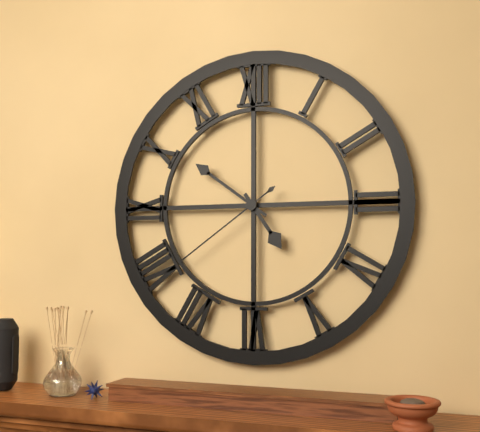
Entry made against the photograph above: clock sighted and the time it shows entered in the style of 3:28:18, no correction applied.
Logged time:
4:51:39
